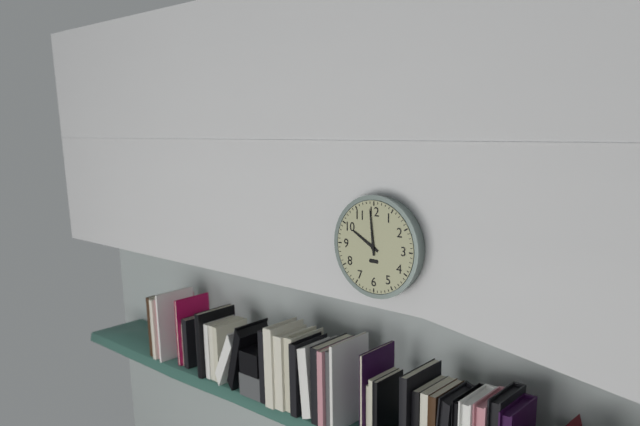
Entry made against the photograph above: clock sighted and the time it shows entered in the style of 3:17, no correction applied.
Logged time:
9:59
